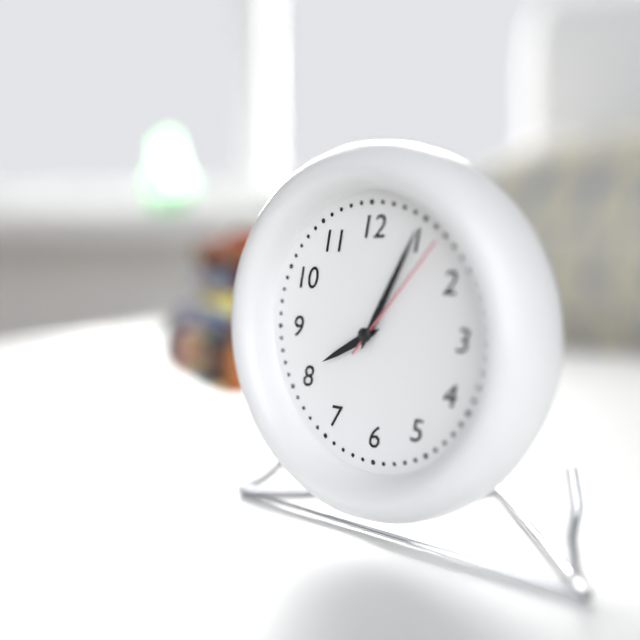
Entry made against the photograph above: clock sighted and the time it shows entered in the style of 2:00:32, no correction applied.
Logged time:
8:05:07
